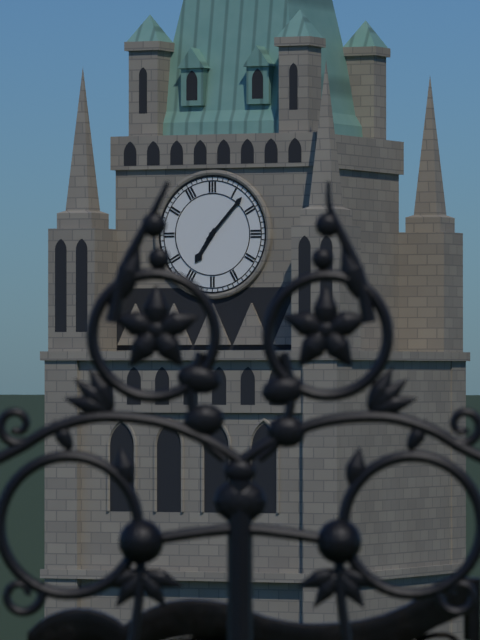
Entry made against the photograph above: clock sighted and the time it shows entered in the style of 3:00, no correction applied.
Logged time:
7:07
